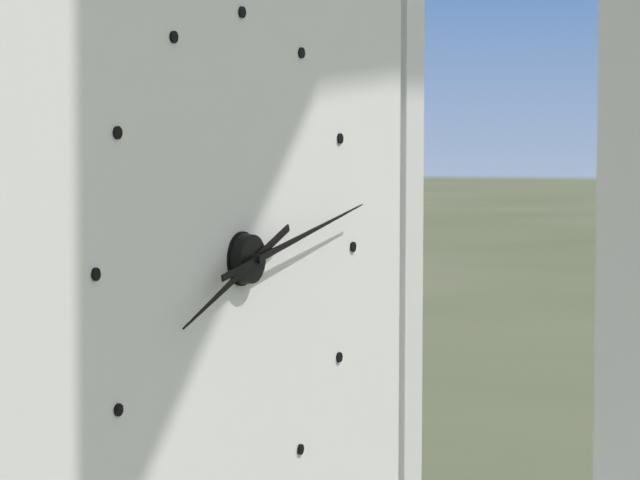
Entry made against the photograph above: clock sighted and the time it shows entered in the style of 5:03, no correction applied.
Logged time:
8:13
